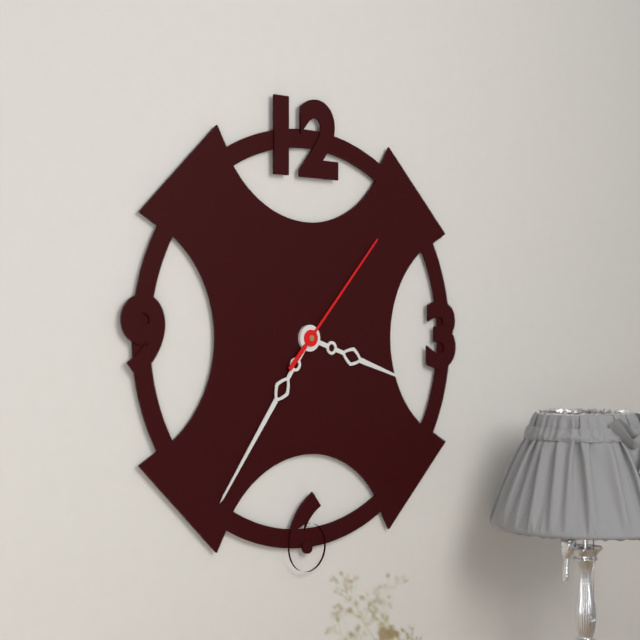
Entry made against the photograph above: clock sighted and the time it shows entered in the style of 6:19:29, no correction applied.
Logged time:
3:36:07
